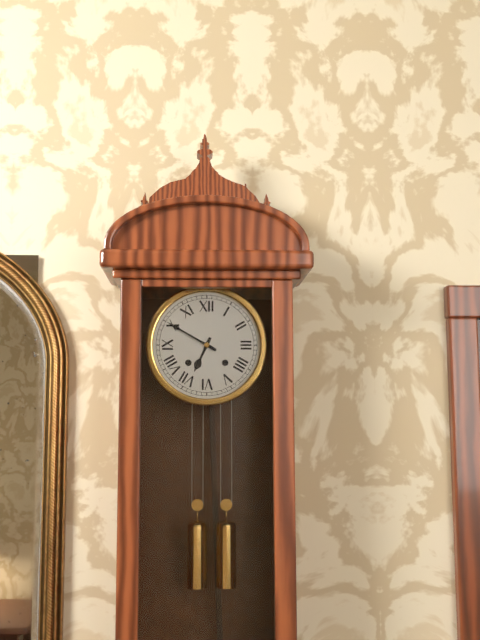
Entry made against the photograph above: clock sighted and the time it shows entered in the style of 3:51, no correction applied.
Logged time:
6:50
